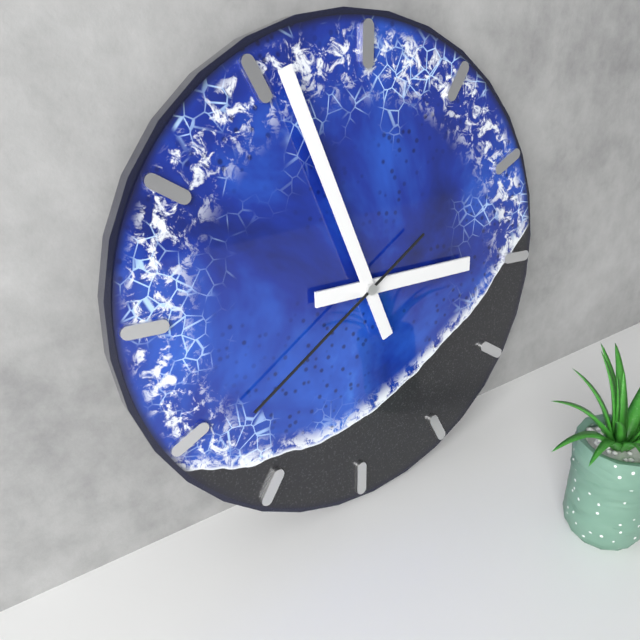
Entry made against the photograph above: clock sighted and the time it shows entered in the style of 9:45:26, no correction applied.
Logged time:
2:56:39
